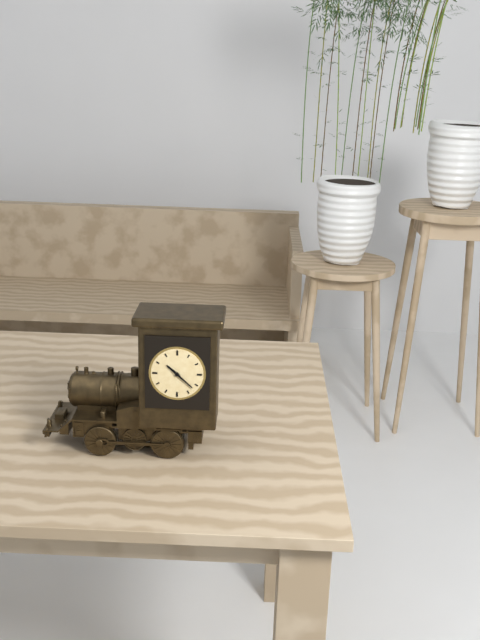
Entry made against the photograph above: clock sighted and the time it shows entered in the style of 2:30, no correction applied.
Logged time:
10:22
